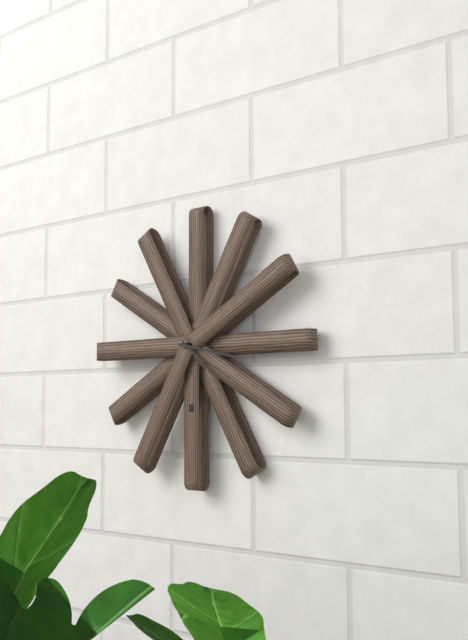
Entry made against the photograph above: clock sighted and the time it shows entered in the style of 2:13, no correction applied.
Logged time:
4:17
